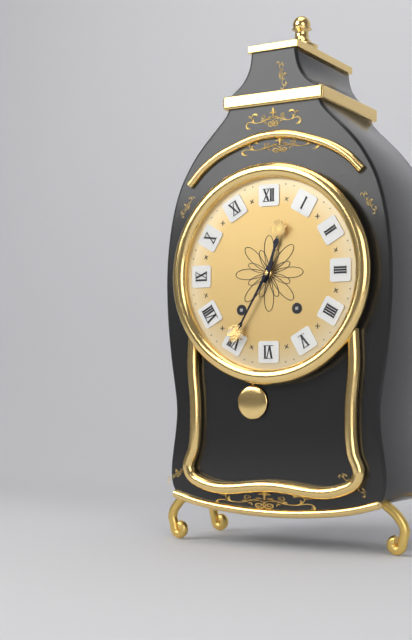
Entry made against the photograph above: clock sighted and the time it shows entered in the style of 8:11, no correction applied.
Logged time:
12:35
